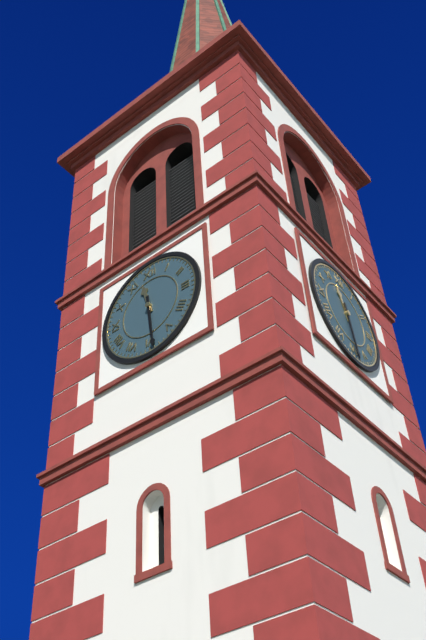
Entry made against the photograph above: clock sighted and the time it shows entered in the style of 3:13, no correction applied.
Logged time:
11:29
